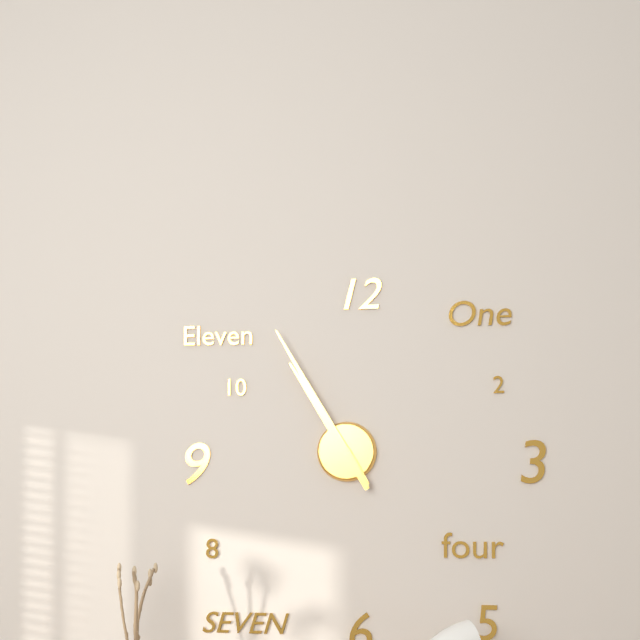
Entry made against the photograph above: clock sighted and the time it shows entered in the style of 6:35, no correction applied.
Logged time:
10:55
